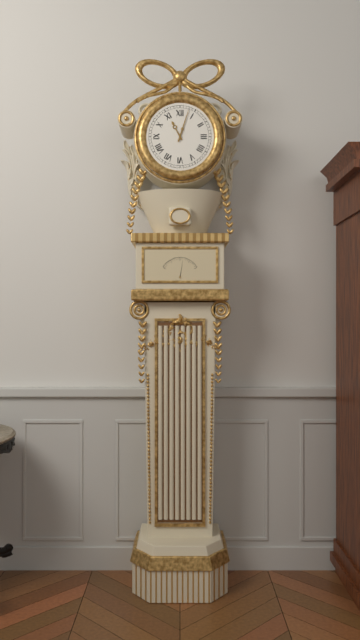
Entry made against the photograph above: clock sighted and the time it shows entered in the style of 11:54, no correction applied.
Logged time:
11:03
